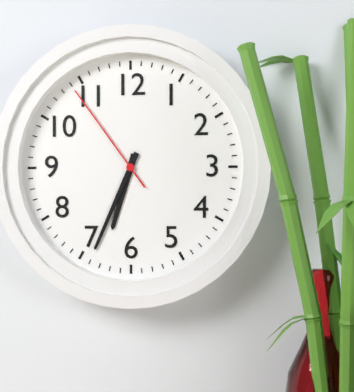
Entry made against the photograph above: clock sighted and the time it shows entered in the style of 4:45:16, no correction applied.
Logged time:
6:34:54
